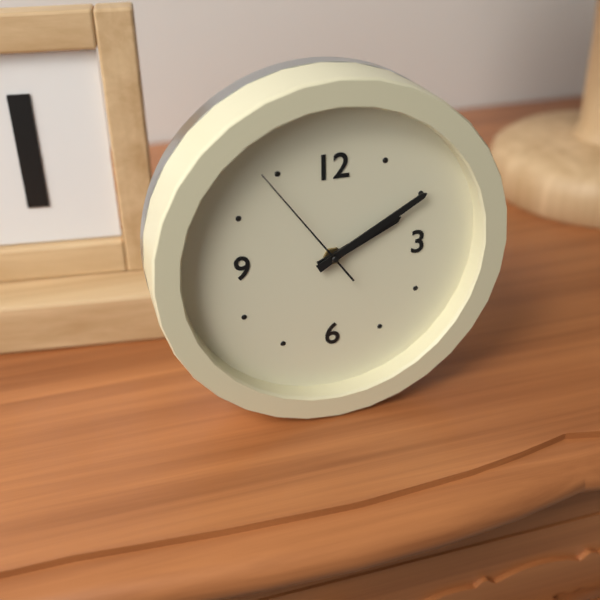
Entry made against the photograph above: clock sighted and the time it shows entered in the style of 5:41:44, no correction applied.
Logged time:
2:10:54
